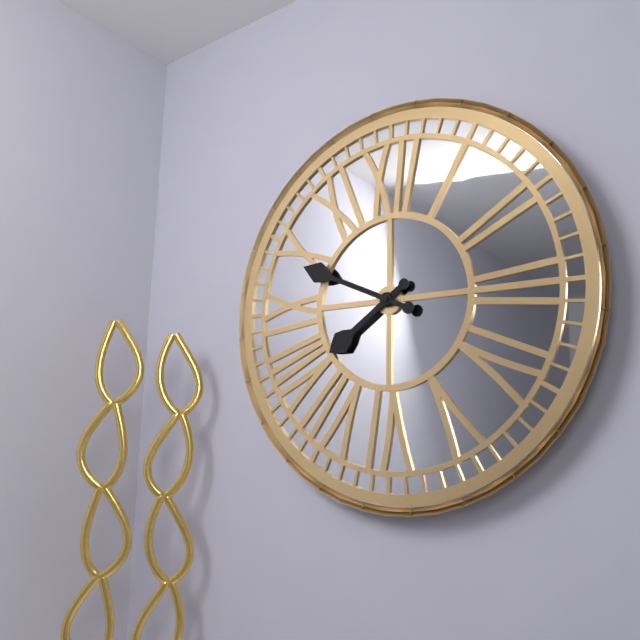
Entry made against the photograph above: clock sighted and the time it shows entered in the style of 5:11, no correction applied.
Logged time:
7:49
